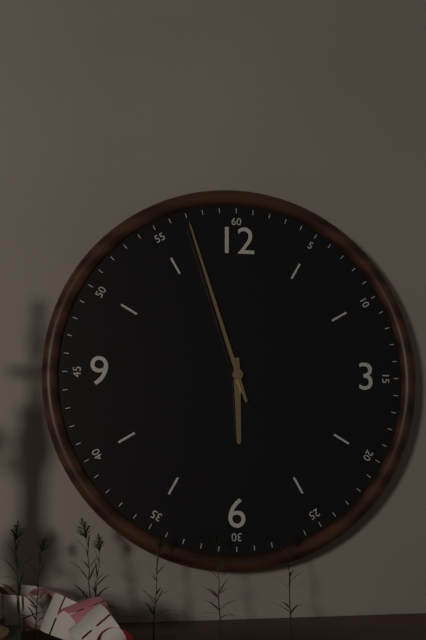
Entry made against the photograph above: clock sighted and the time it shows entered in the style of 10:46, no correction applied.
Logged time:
5:57
